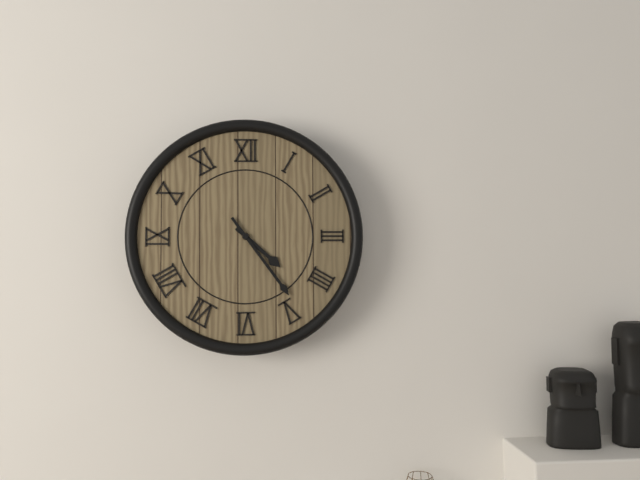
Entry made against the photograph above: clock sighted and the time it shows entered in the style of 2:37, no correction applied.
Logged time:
4:24
